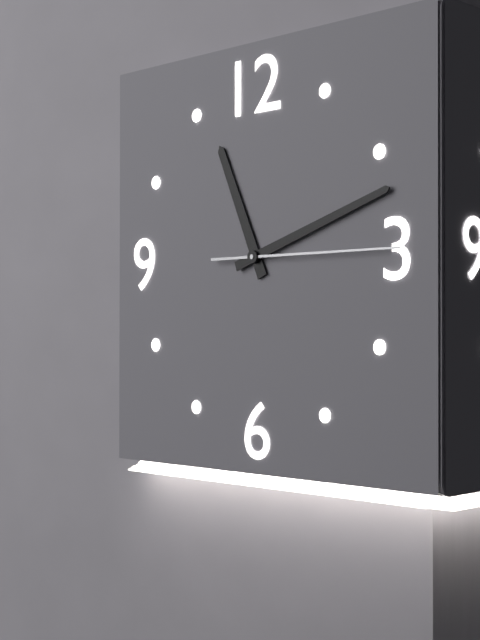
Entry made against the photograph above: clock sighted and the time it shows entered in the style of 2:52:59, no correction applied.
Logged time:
11:12:15
